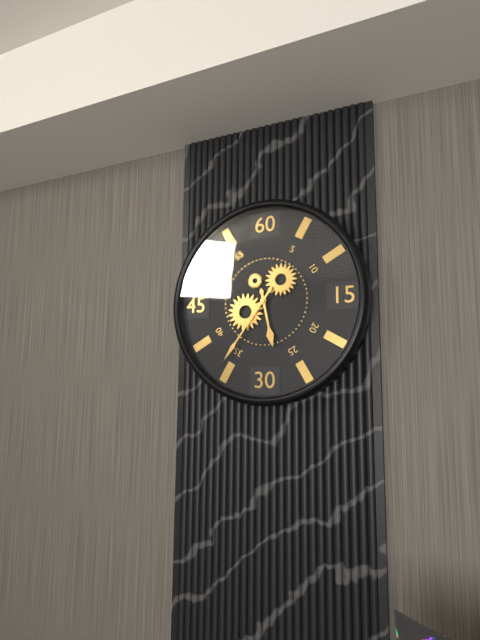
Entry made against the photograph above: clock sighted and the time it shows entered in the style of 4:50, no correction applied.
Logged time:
5:36
